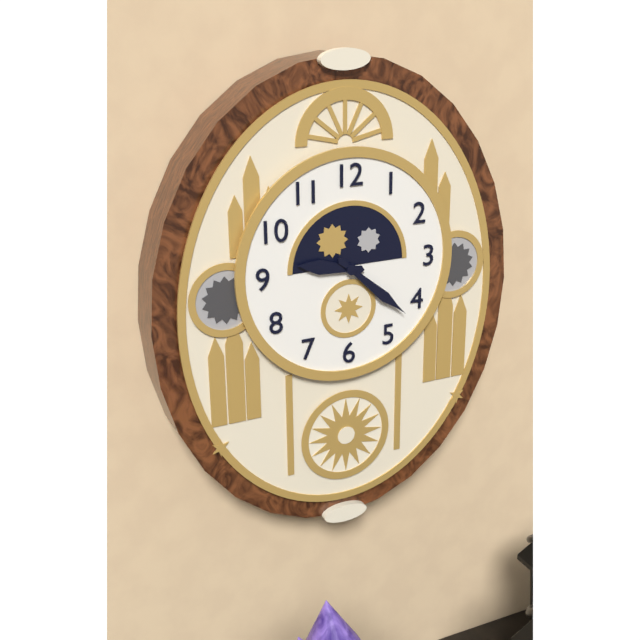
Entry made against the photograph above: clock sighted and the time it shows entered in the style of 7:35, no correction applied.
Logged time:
9:22
